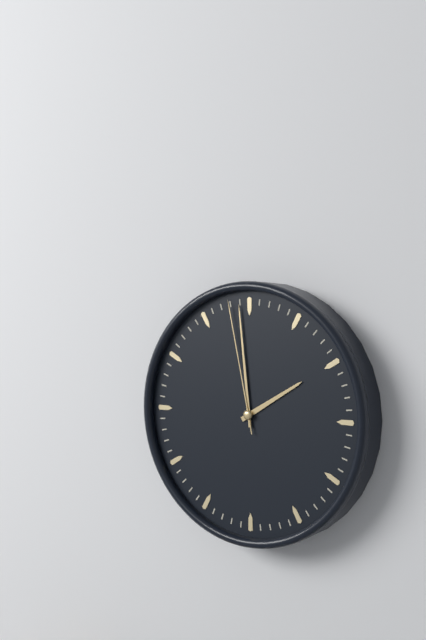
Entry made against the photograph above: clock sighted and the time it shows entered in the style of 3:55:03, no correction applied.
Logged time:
1:59:58
